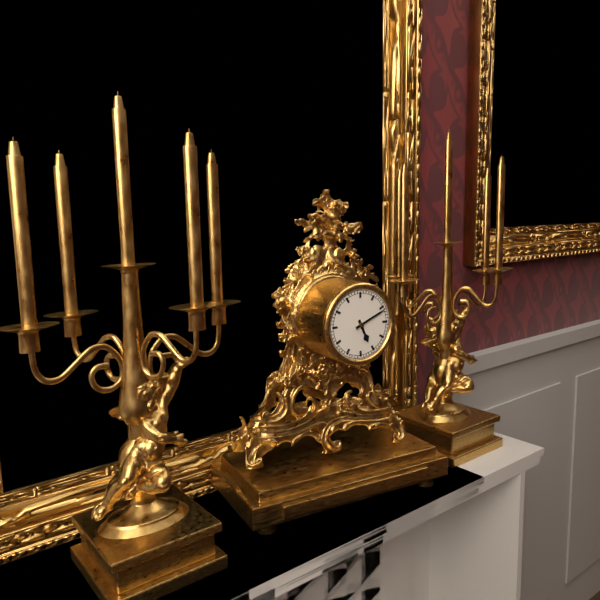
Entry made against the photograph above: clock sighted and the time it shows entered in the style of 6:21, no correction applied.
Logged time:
5:11
